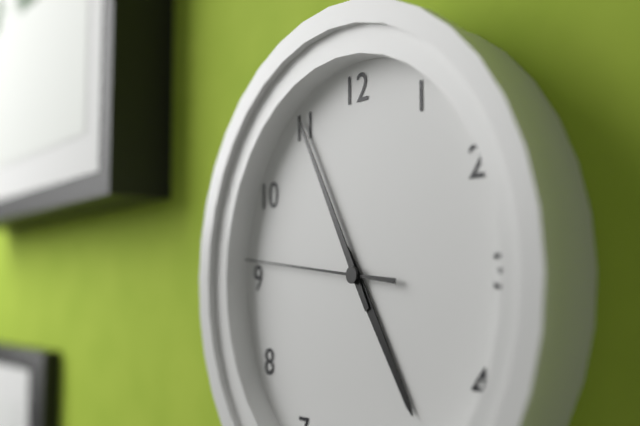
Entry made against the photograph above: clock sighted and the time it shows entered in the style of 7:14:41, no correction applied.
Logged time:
4:55:46
